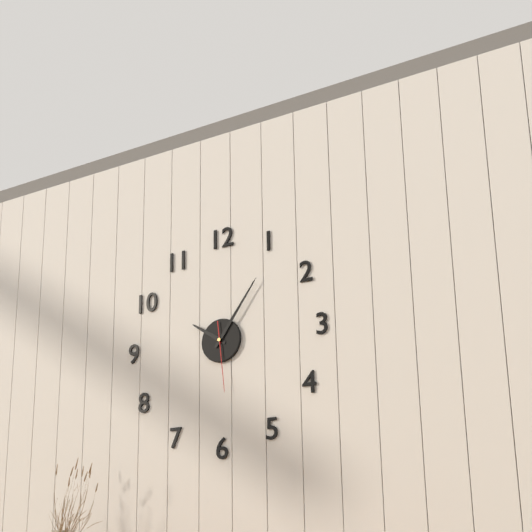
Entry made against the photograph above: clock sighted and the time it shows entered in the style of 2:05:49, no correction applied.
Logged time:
10:06:29
